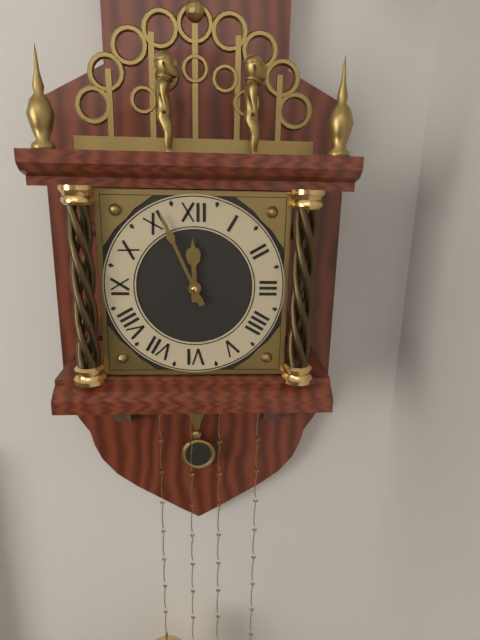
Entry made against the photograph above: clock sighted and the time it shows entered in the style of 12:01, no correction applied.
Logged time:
11:56
